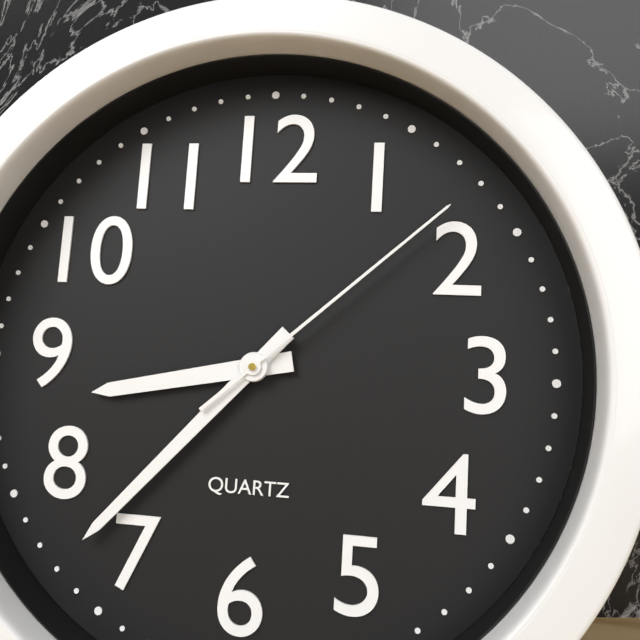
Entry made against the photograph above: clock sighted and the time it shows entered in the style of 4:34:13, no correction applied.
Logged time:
8:37:08
